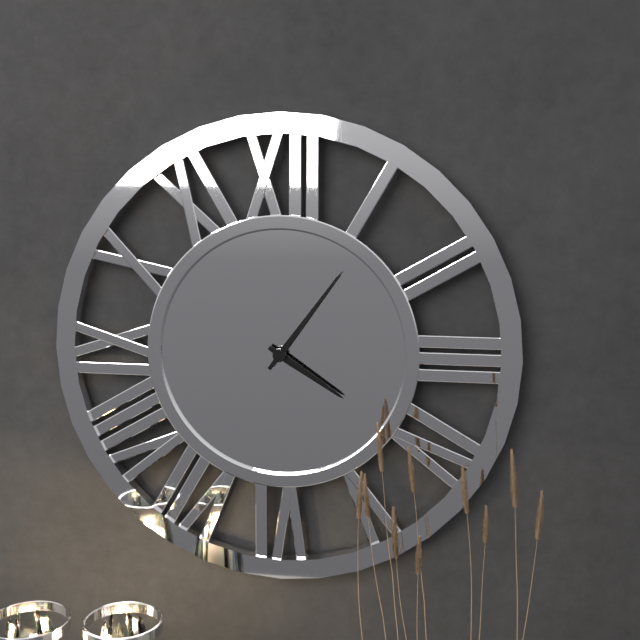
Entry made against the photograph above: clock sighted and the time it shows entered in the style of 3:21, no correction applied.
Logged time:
4:06
